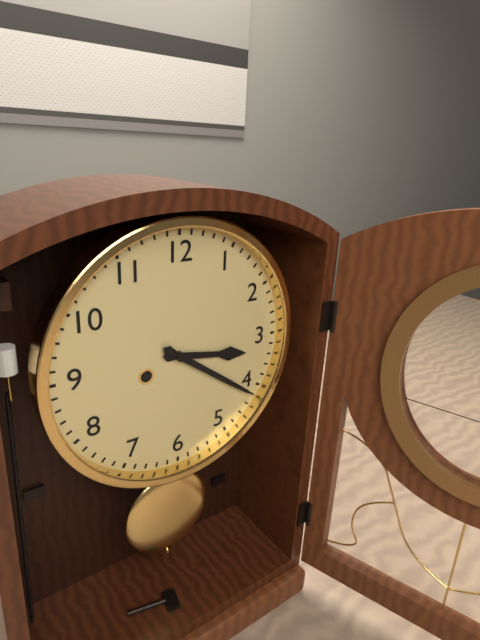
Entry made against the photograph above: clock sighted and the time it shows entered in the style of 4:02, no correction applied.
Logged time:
3:21
